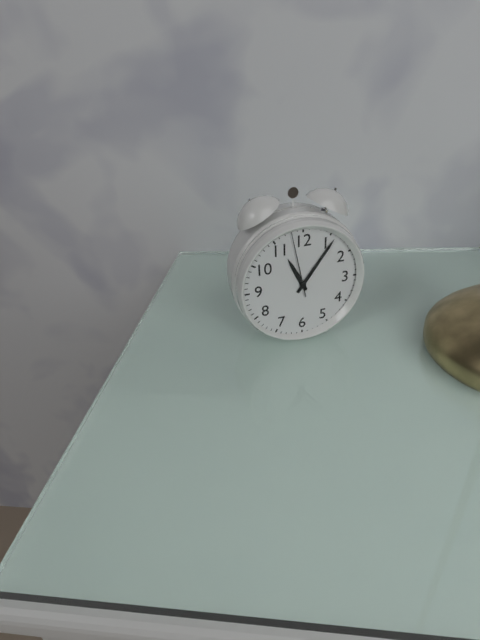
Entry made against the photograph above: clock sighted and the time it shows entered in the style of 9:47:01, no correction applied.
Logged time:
11:06:58
